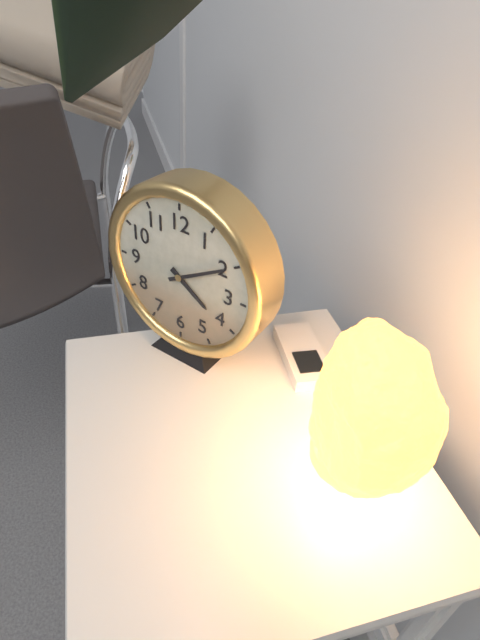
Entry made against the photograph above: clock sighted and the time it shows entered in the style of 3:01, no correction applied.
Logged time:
4:10
